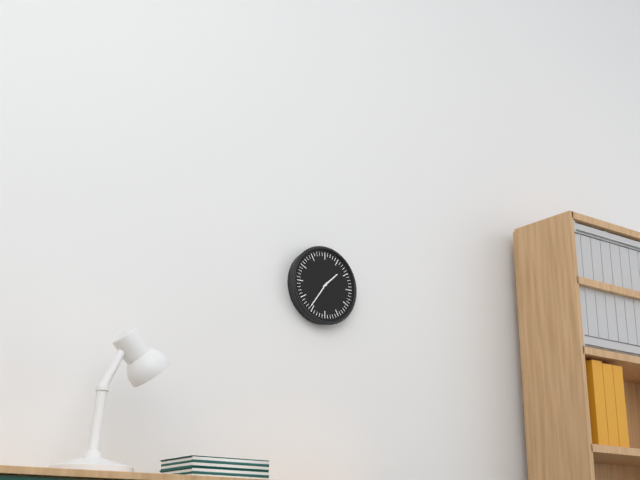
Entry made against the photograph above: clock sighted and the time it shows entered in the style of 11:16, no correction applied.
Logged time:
1:36
